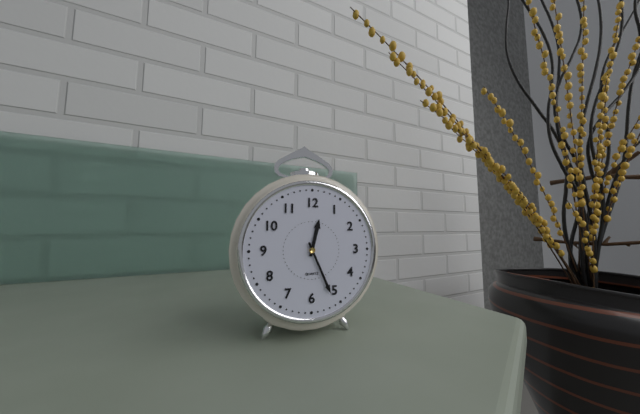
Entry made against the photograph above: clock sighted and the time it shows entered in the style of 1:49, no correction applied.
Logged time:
12:26
